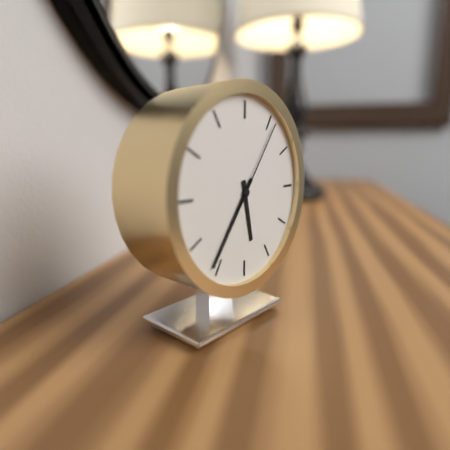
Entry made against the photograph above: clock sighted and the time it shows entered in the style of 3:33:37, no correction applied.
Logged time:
5:36:06
